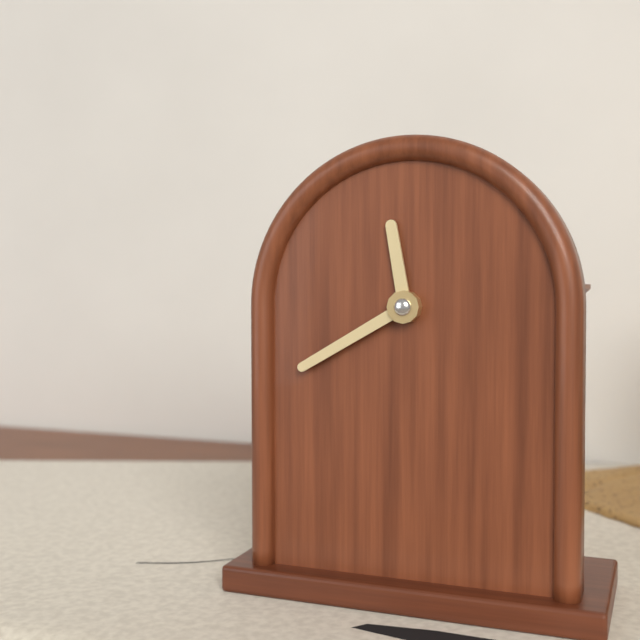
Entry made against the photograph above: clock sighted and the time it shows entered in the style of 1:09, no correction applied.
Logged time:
11:40
